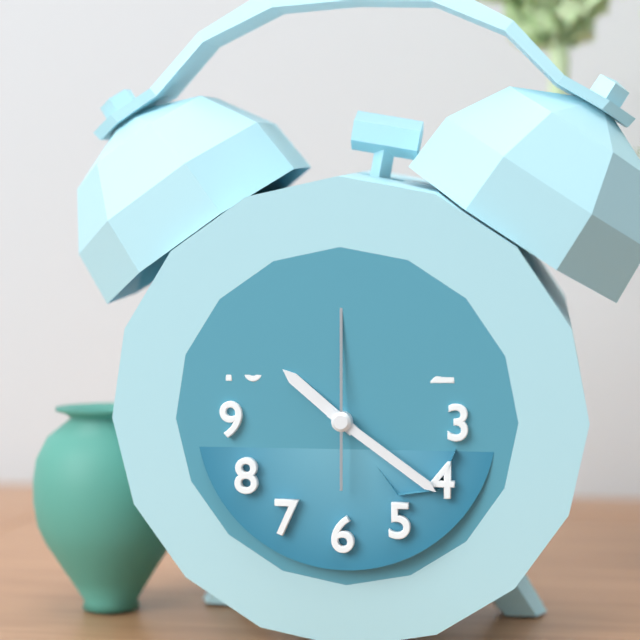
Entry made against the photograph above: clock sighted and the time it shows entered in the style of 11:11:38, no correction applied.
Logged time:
10:21:00
